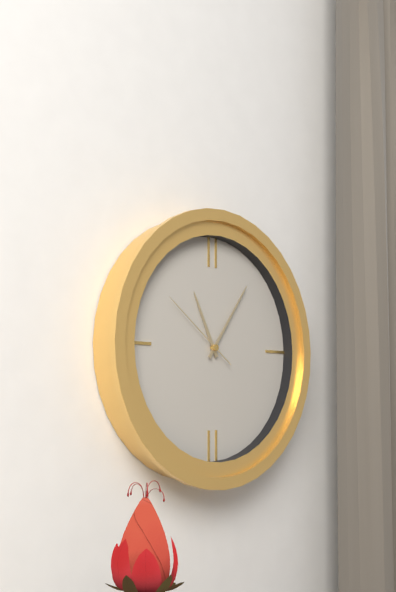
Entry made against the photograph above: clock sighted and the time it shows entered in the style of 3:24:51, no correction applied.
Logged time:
11:06:51
